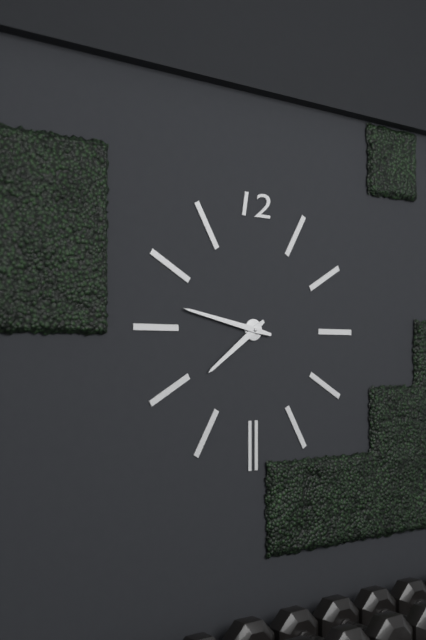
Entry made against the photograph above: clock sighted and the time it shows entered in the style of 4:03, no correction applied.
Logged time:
7:47
